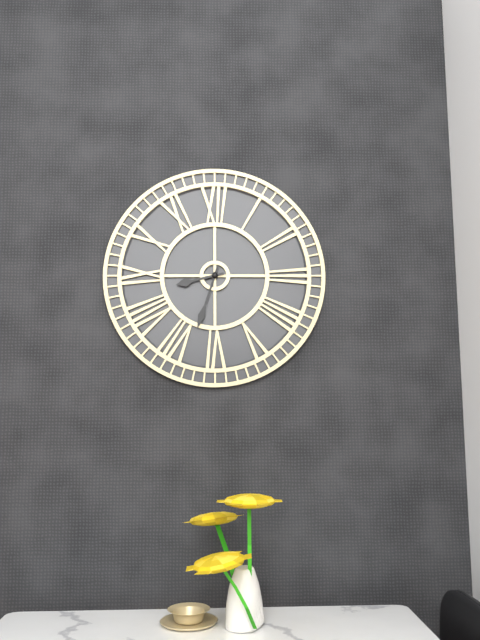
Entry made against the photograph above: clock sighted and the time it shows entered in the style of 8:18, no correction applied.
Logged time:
8:33
